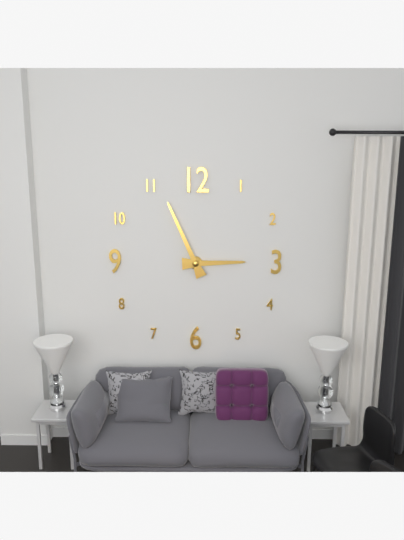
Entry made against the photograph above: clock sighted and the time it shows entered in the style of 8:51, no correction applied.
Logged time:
2:56
